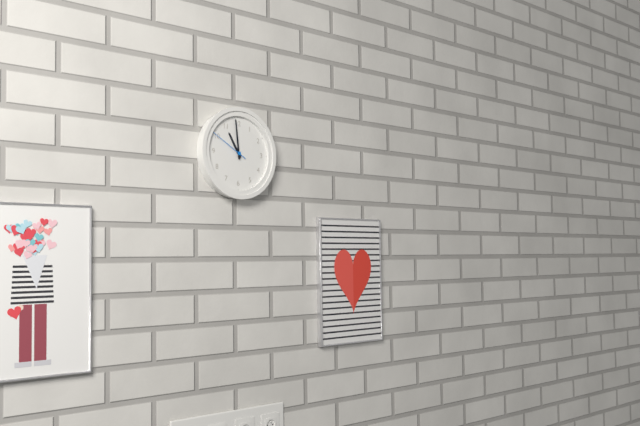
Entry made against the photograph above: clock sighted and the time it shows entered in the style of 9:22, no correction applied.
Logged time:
10:59
